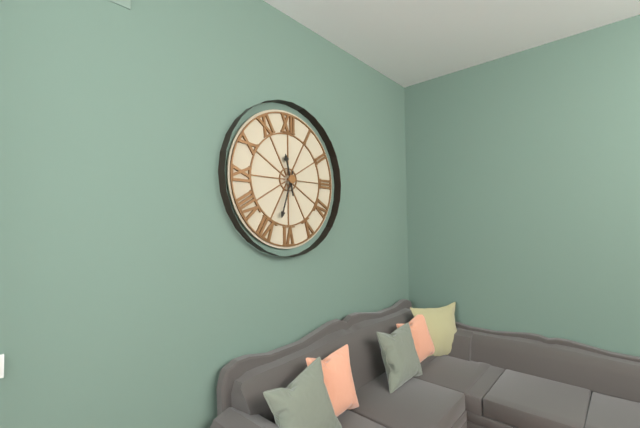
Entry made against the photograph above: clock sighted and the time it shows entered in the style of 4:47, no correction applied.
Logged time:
11:33
